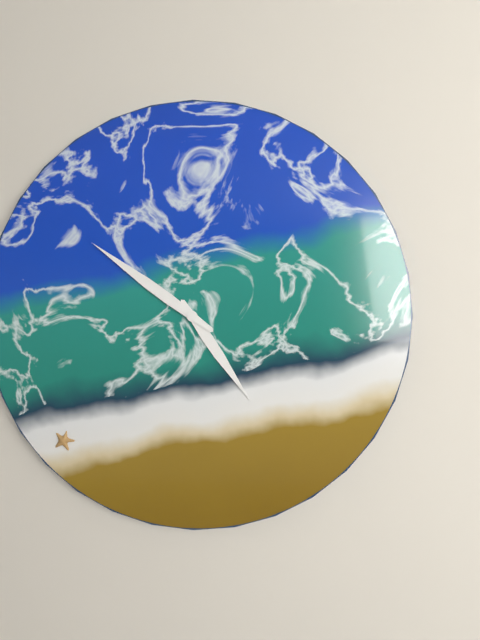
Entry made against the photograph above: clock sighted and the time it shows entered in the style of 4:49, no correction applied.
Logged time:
4:51
